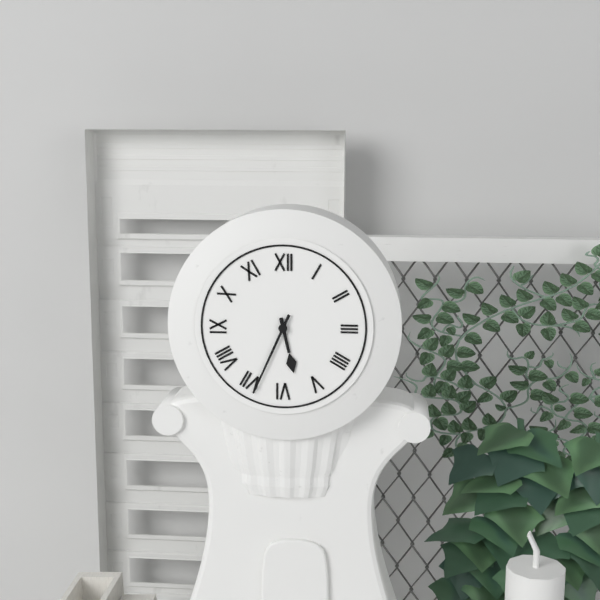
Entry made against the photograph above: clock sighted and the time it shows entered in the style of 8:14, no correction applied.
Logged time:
5:34
